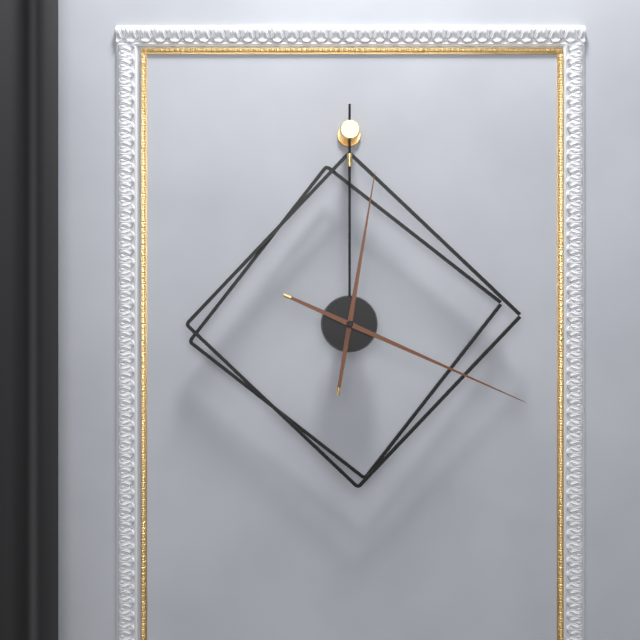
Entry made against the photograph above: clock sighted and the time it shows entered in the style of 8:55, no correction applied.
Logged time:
12:19
